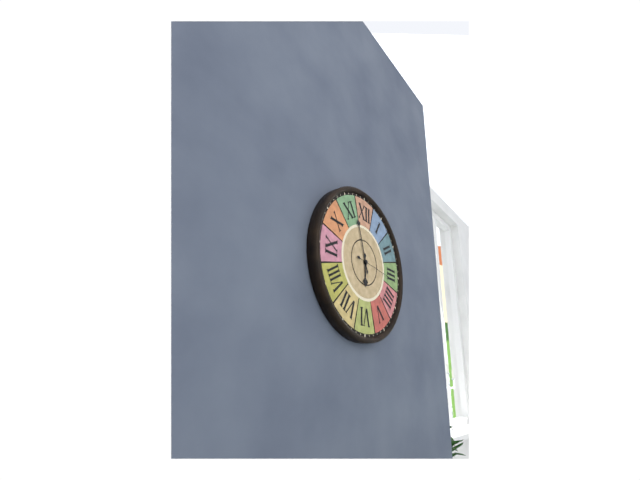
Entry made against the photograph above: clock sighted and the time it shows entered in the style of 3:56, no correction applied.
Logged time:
5:57
